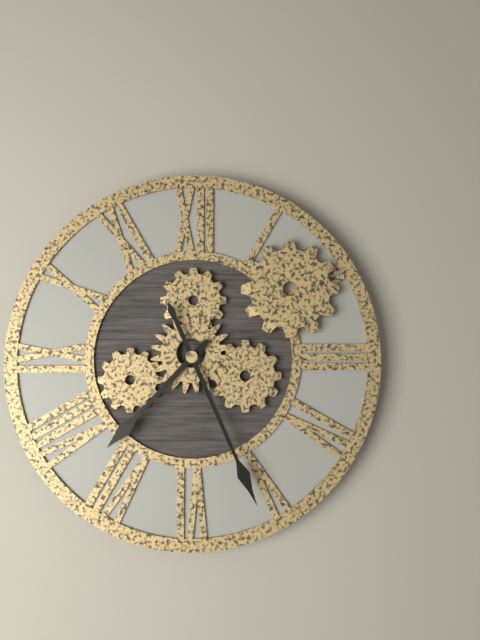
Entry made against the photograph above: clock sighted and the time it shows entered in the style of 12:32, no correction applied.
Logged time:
7:26
